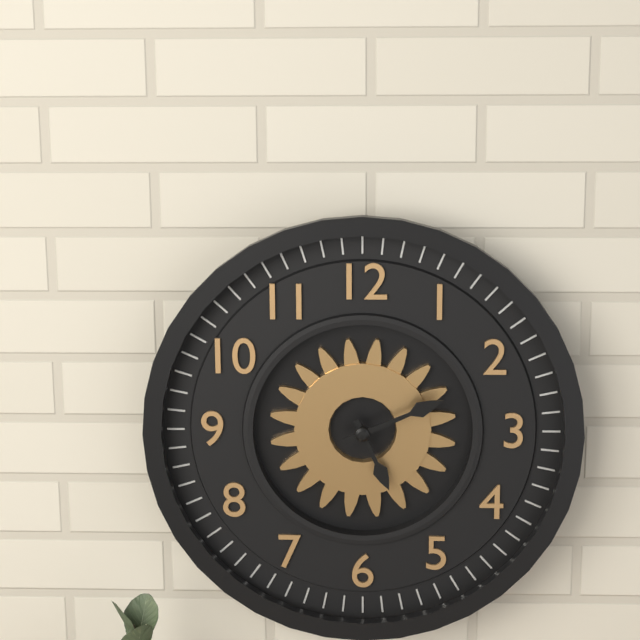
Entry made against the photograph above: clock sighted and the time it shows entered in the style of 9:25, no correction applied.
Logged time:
5:11
